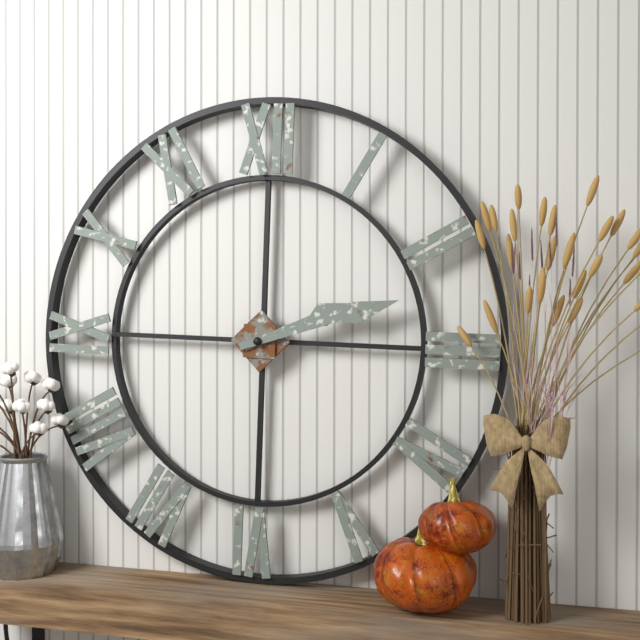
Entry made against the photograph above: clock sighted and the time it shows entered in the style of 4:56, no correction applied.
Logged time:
2:12
